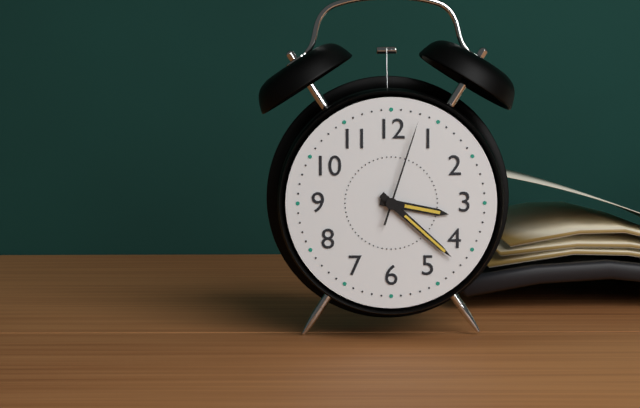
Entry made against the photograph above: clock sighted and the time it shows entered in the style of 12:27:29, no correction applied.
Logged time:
3:22:03
